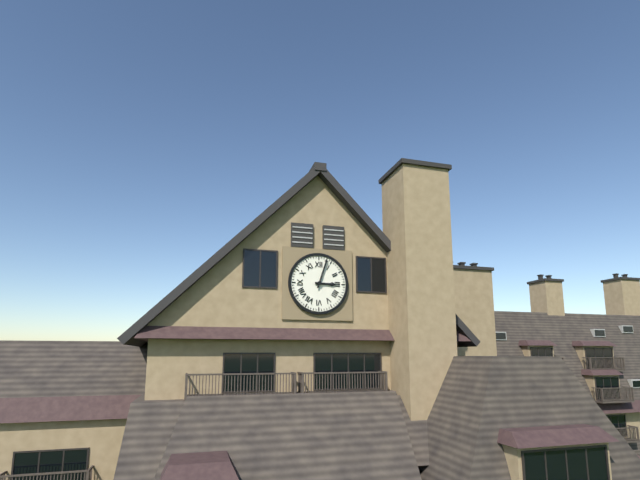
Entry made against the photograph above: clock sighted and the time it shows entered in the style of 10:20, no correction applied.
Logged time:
3:03
